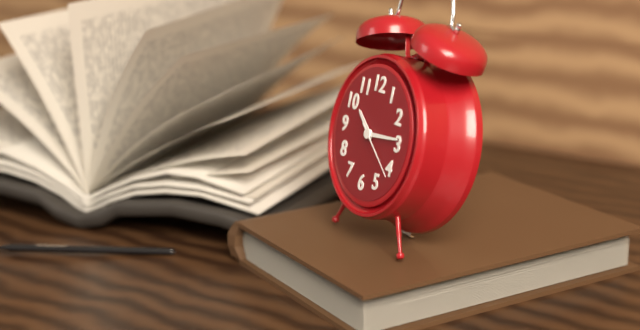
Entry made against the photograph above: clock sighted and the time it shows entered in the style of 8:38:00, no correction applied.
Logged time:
10:14:21
